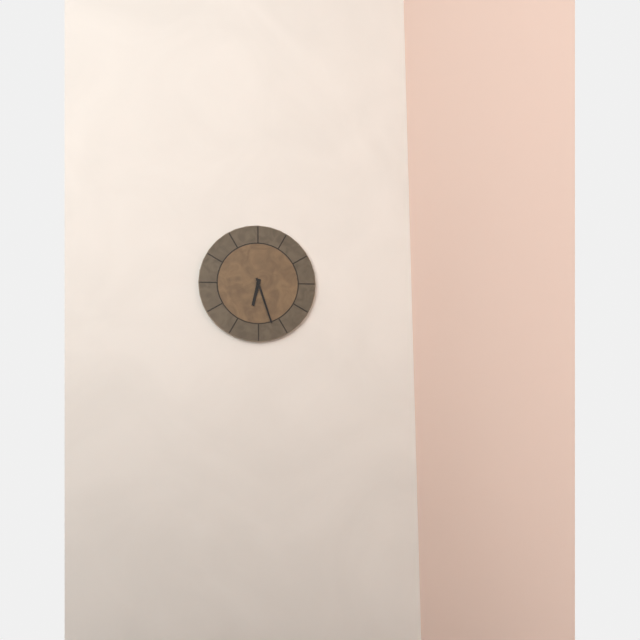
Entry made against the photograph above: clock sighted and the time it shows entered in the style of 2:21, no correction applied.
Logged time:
6:27
